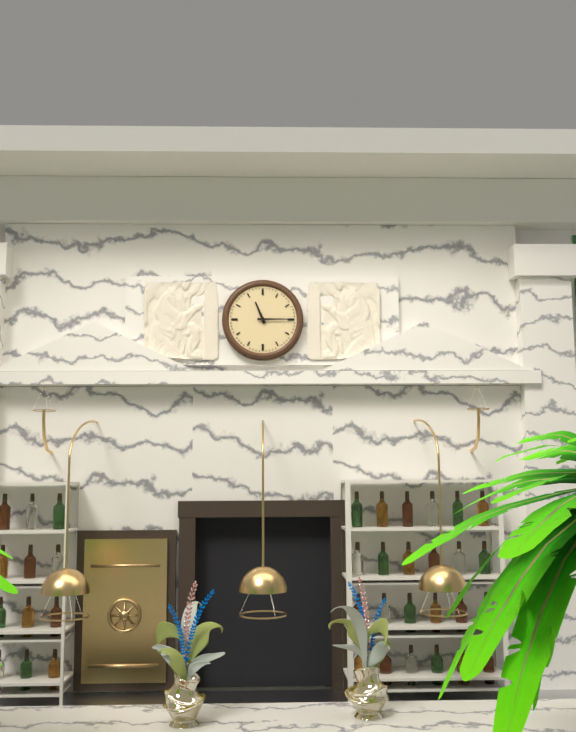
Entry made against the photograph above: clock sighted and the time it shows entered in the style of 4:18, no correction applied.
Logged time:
11:15
